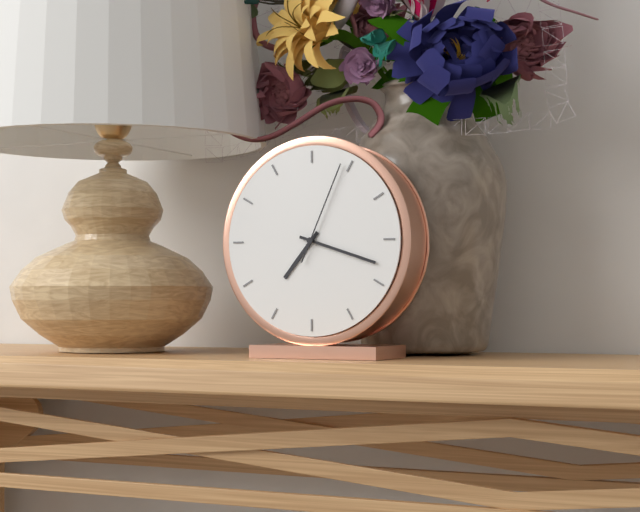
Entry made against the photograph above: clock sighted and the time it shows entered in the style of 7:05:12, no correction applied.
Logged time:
7:18:04
